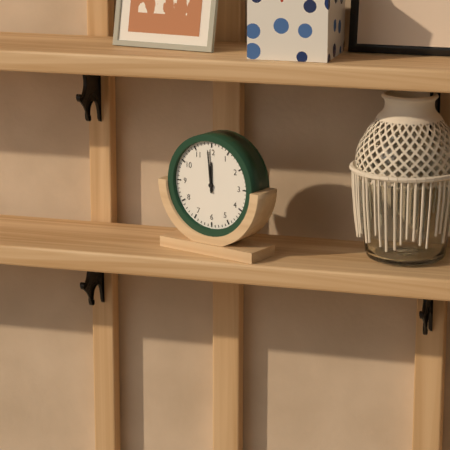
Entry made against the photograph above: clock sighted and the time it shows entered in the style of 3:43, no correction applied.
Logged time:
11:59
